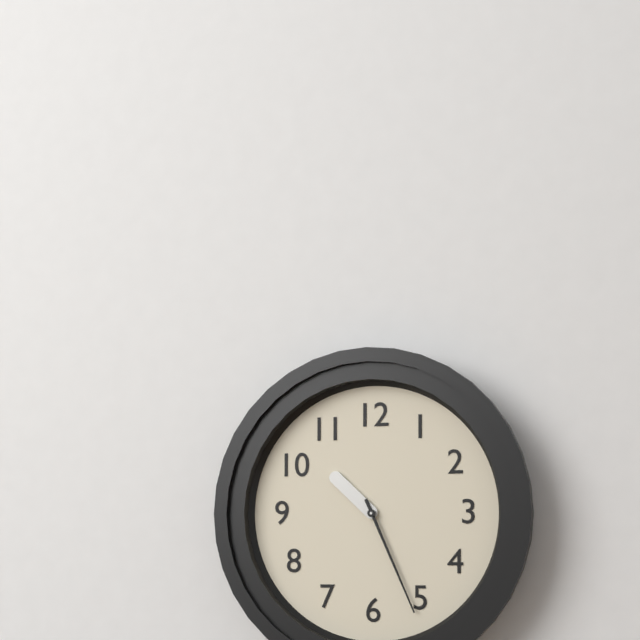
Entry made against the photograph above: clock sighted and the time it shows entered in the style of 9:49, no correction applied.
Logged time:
10:26
